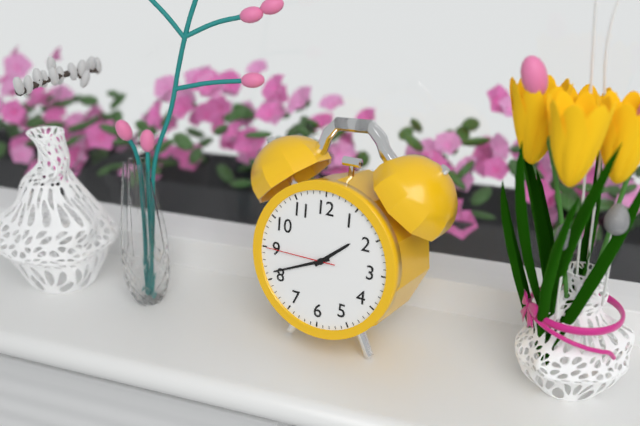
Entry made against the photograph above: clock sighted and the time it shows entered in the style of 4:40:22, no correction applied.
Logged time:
1:41:45
